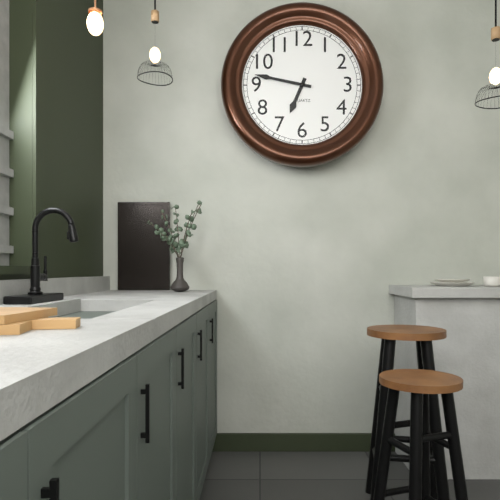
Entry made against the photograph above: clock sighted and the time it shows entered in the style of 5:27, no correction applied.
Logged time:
6:47
